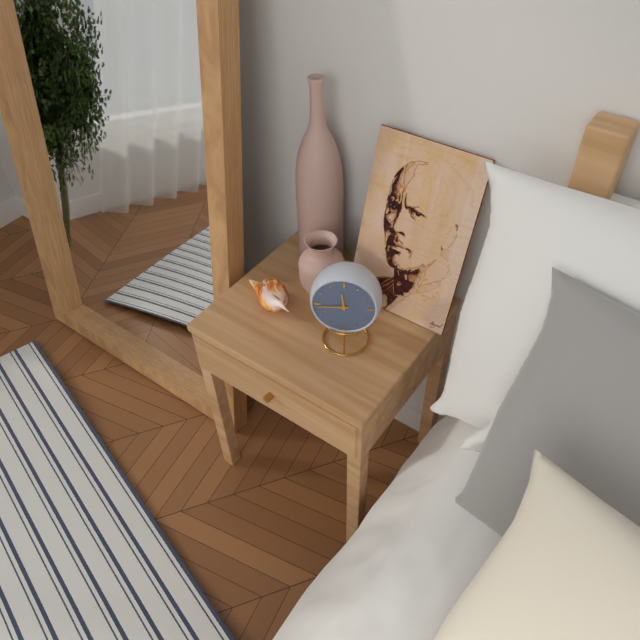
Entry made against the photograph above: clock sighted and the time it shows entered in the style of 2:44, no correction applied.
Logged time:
11:44
